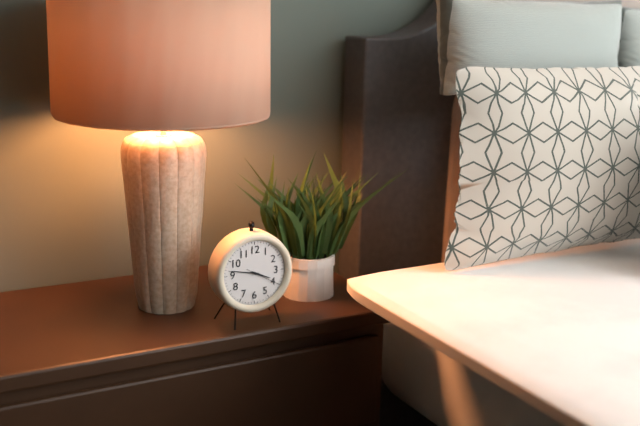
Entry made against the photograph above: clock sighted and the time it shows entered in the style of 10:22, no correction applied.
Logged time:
3:47
